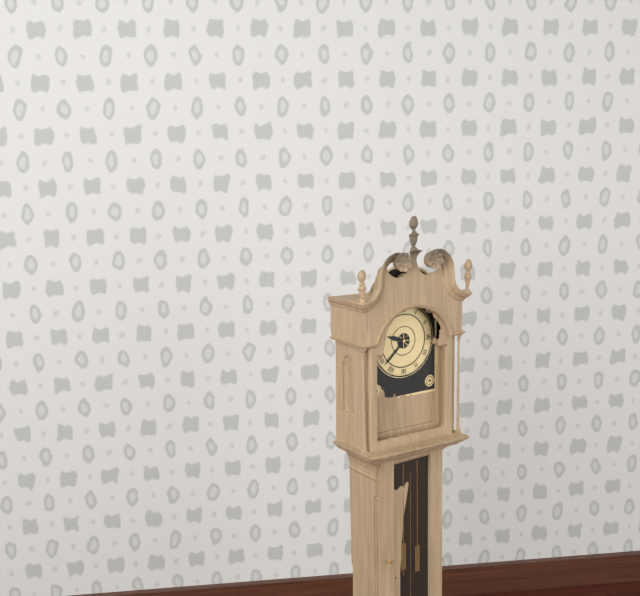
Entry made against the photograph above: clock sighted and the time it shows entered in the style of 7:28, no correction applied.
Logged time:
9:38
